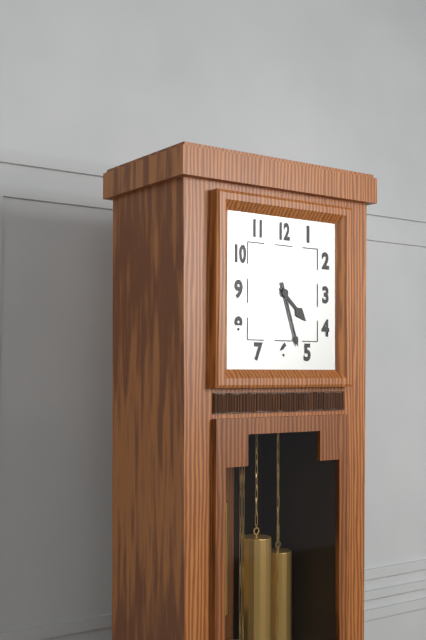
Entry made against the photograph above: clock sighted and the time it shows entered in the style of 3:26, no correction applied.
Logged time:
4:27
